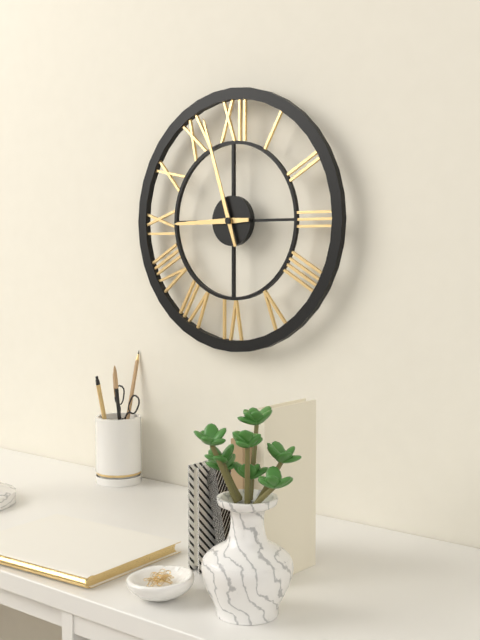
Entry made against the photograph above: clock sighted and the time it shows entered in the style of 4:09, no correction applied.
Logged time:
8:57
